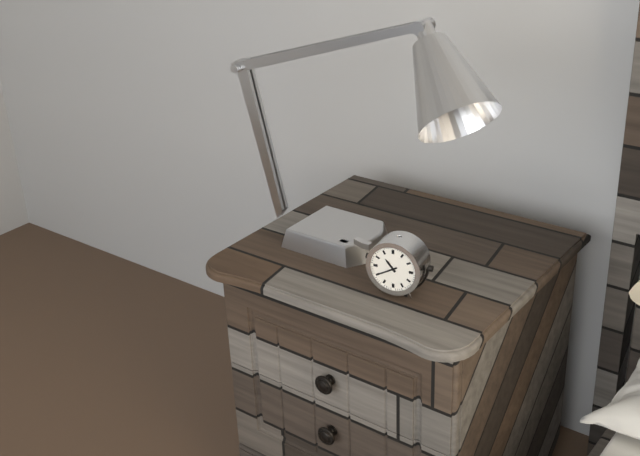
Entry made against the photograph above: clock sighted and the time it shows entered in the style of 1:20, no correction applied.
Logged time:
10:40
